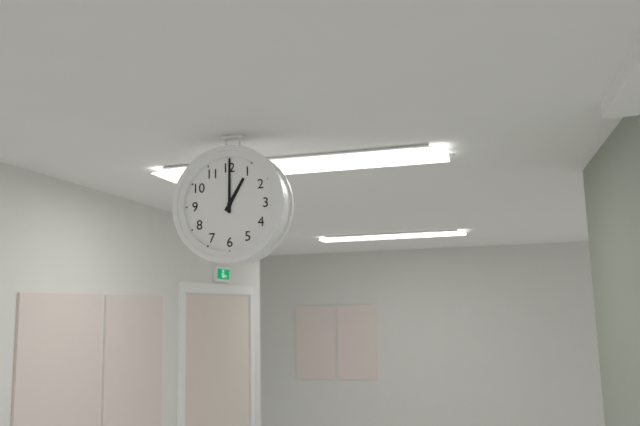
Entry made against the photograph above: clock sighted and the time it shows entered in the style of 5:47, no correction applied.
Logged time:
1:00
